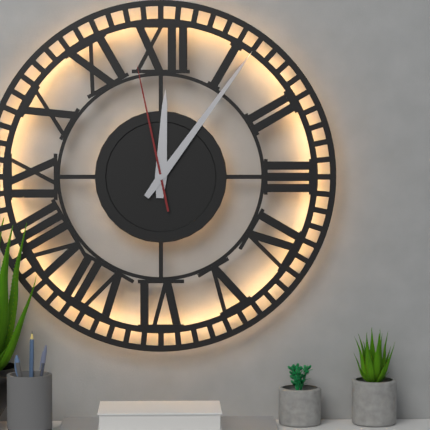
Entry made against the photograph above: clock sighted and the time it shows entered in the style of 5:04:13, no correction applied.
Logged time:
12:06:58
